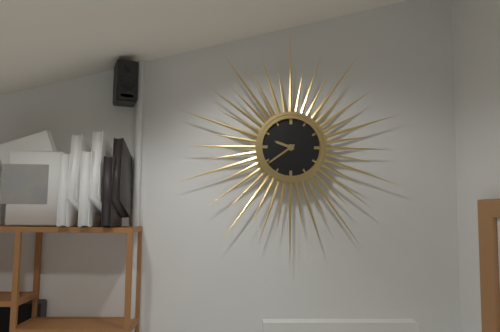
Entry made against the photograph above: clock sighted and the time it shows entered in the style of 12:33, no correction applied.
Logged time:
9:39
